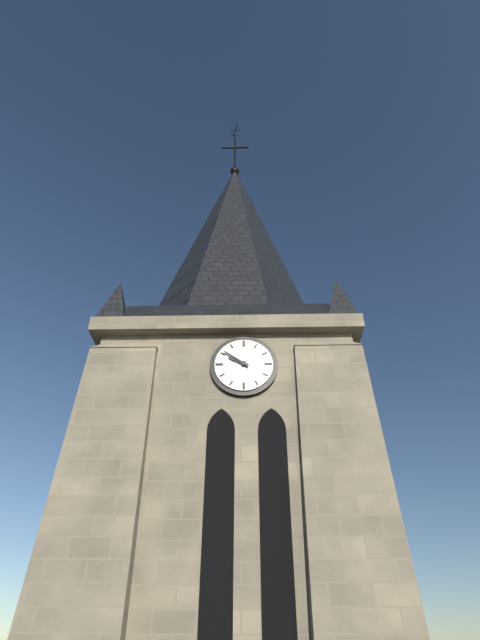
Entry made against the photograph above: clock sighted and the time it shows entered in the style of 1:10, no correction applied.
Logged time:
9:51
